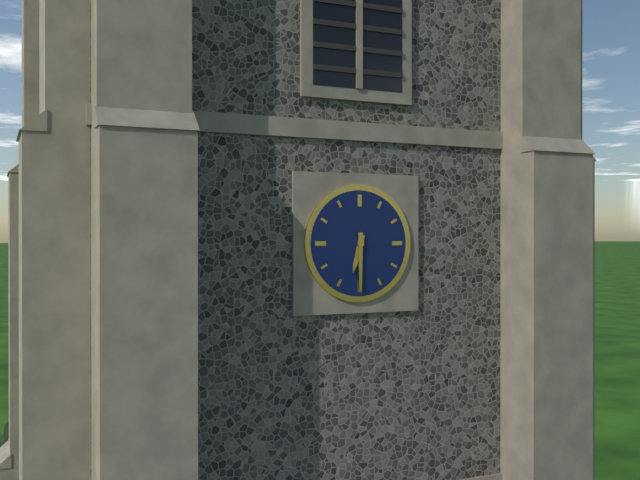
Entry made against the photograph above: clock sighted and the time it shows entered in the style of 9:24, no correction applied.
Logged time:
6:30
